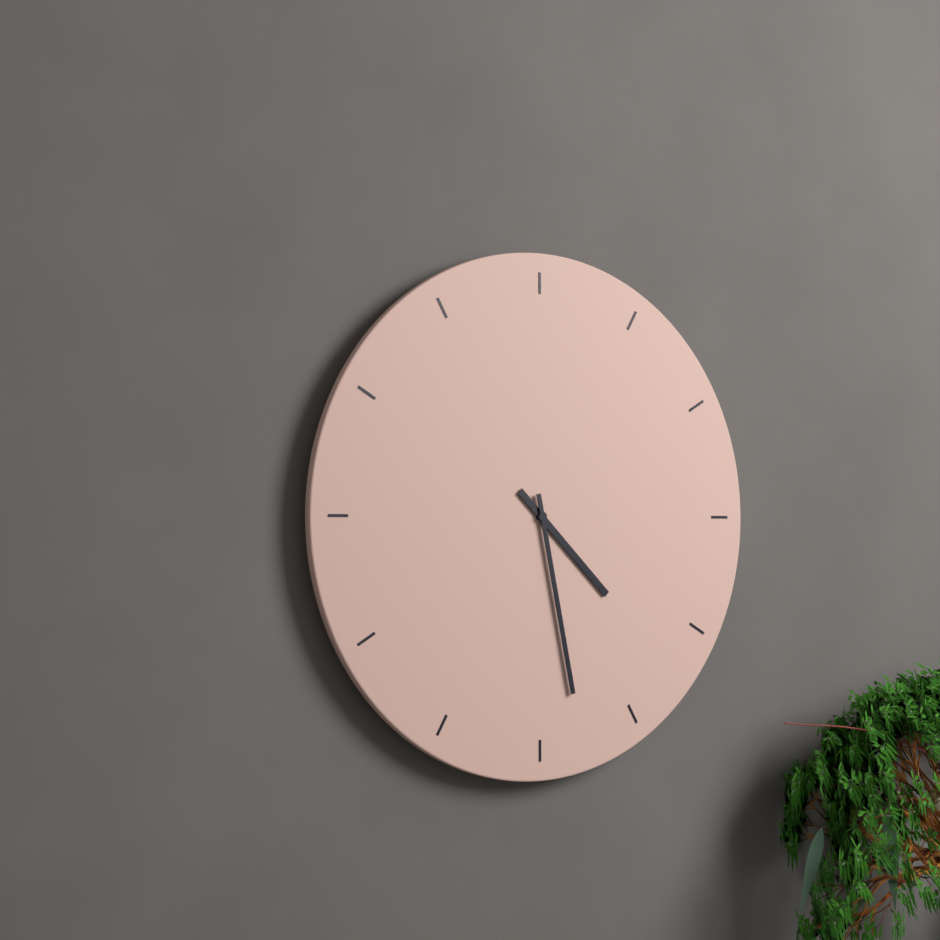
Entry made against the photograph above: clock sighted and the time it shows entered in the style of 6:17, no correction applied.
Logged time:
4:28
